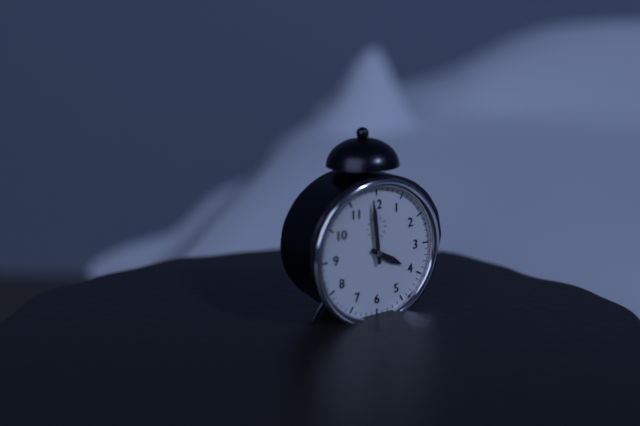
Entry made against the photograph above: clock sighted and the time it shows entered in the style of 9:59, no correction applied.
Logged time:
3:59
